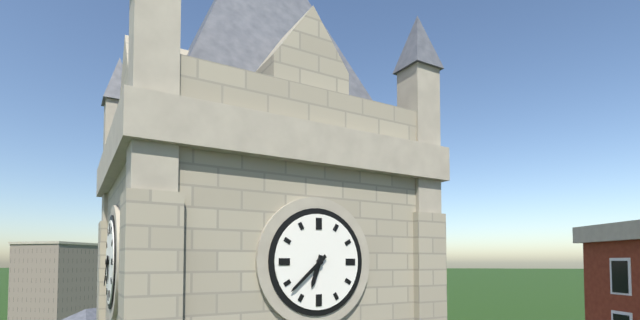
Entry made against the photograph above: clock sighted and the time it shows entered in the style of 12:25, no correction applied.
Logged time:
6:38
